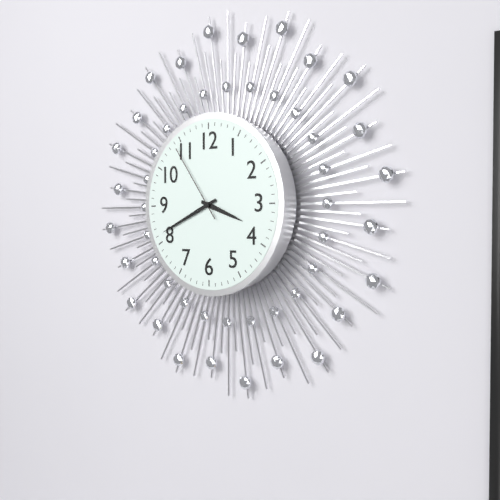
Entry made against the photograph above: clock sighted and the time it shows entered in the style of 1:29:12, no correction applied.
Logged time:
3:41:54
